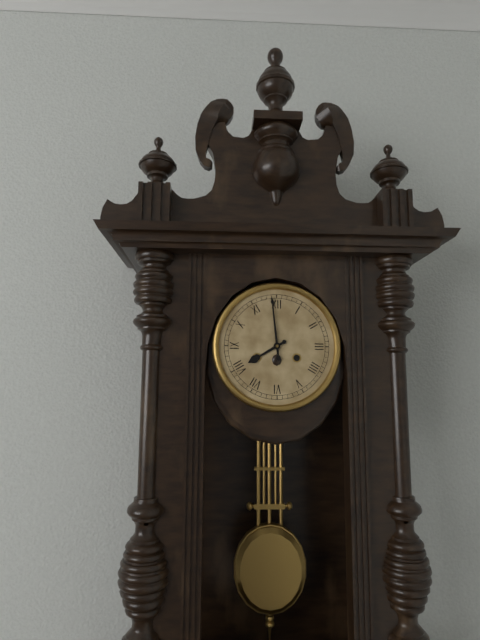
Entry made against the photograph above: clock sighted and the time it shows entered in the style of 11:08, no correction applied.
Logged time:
7:59
